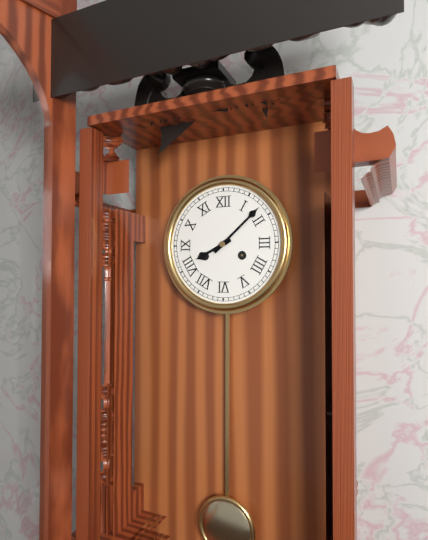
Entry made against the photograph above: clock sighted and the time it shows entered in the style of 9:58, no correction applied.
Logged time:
8:08
